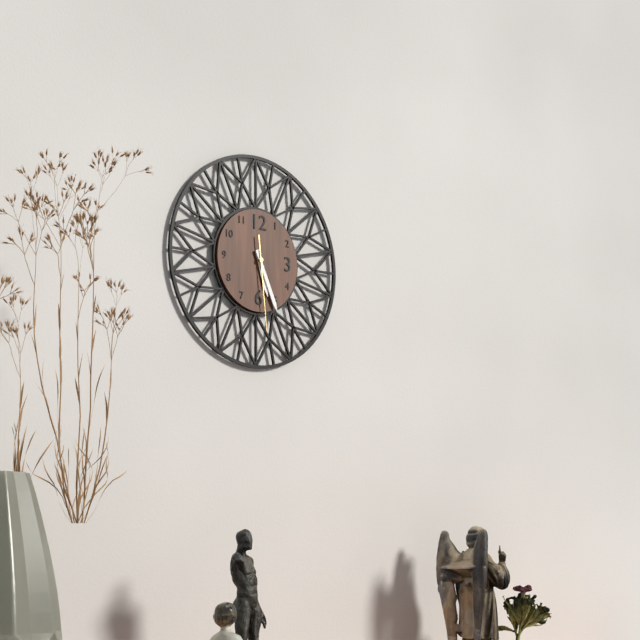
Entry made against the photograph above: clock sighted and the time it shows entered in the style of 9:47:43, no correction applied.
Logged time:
5:26:29
